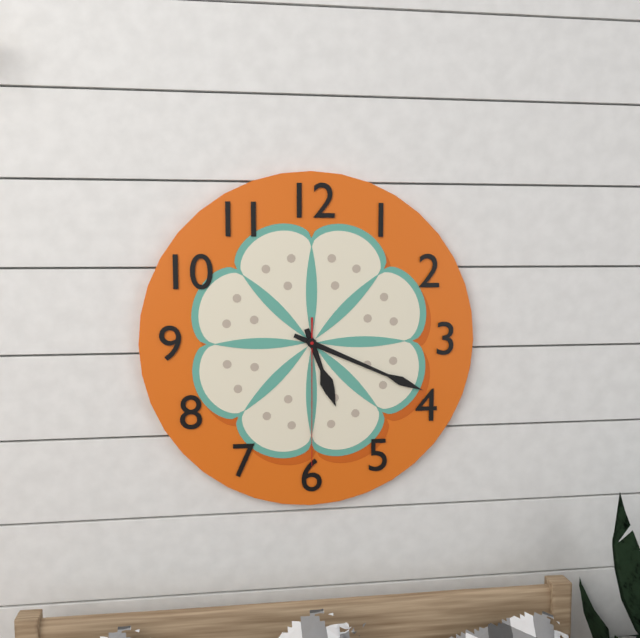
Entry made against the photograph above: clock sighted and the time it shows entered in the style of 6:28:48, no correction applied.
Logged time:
5:19:30
